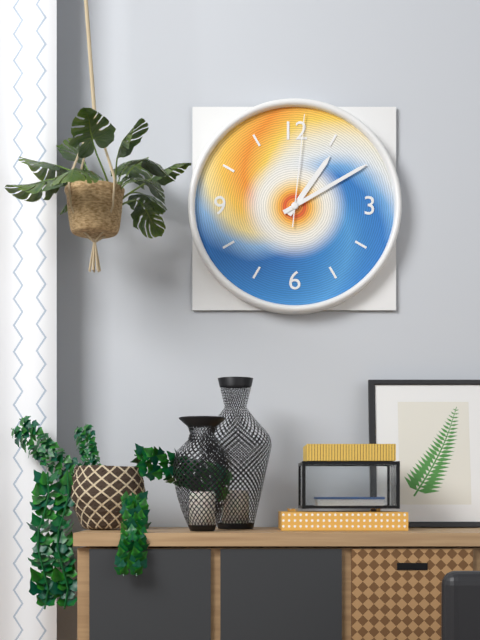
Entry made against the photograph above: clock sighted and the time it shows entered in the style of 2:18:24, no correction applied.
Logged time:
1:10:01
